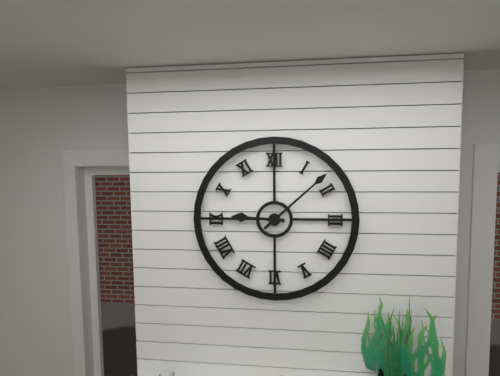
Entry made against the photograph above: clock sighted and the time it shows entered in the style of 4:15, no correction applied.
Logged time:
9:08
